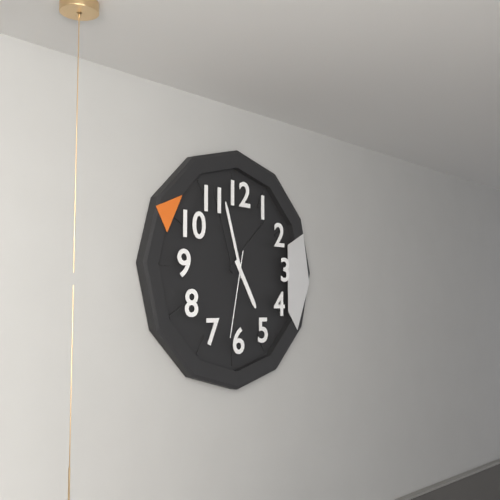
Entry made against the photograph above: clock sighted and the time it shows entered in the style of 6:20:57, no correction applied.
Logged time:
4:57:32
